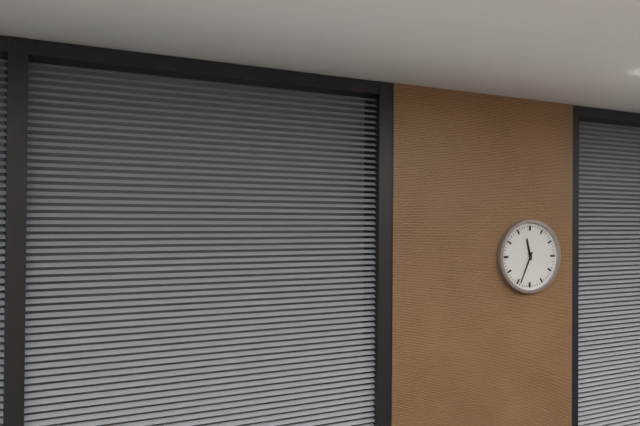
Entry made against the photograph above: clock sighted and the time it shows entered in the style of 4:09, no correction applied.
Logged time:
11:34
